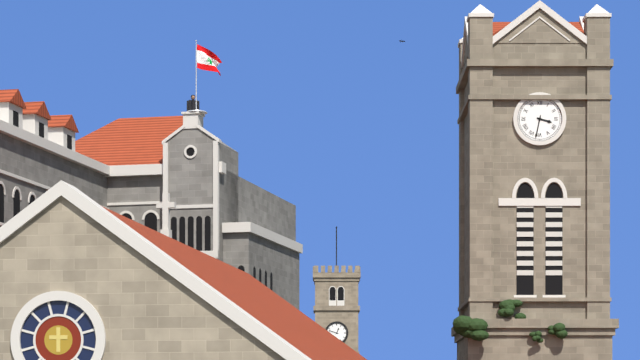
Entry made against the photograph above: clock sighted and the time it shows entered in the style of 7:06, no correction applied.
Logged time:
3:32
